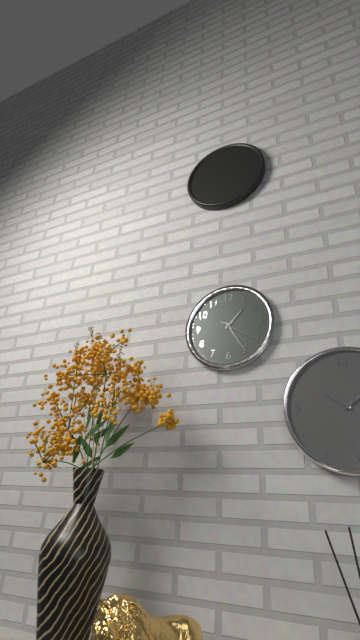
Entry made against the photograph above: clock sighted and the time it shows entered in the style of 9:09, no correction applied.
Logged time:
1:25
